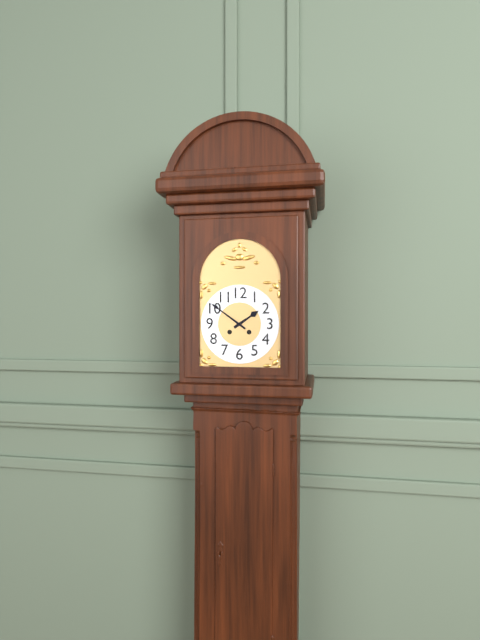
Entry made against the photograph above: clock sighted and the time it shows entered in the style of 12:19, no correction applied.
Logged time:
1:51
